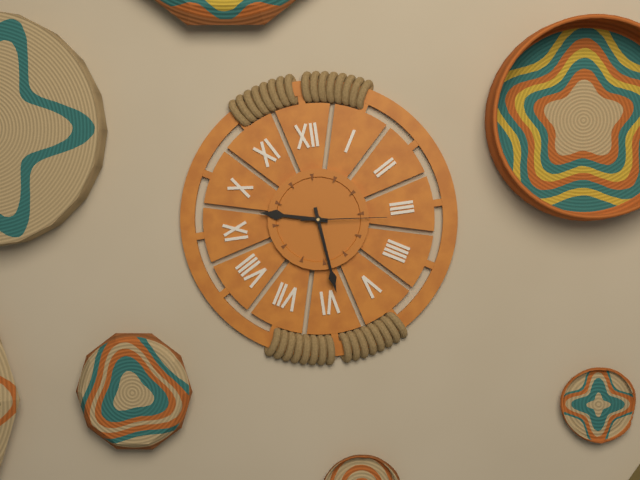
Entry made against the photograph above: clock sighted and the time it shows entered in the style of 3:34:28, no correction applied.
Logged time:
9:29:16
